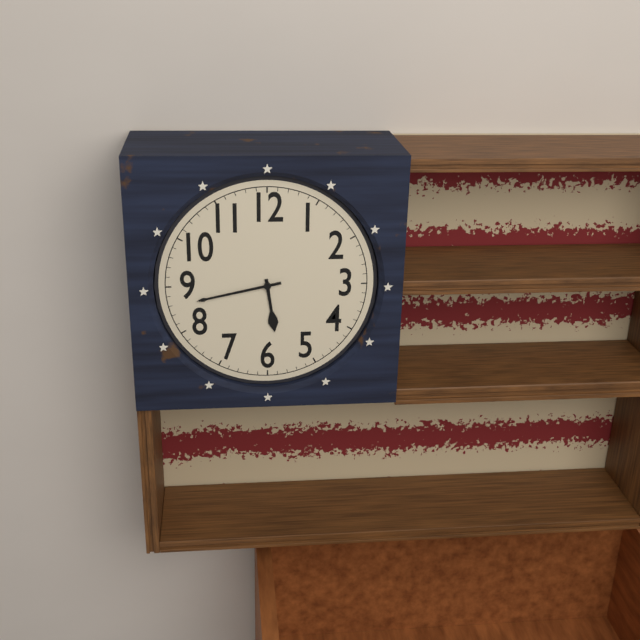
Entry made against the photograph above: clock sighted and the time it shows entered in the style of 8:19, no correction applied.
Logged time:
5:43
